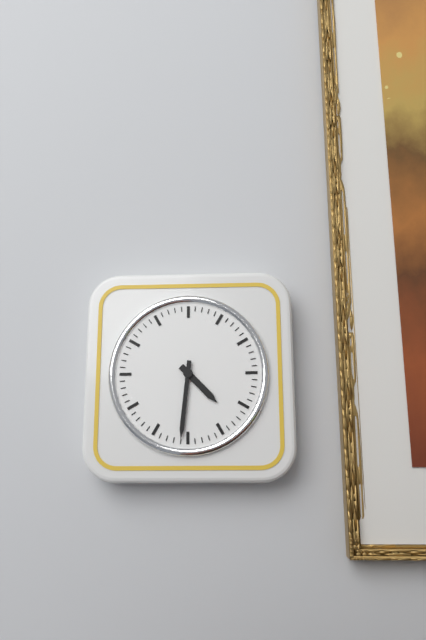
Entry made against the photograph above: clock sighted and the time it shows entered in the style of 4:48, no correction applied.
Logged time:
4:31
